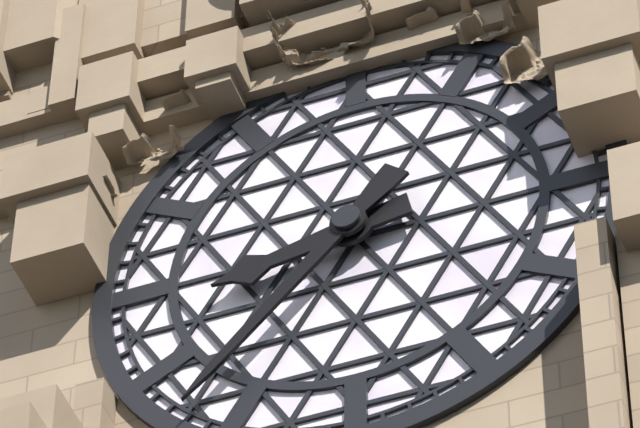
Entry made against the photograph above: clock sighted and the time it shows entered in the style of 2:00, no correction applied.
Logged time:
8:37
